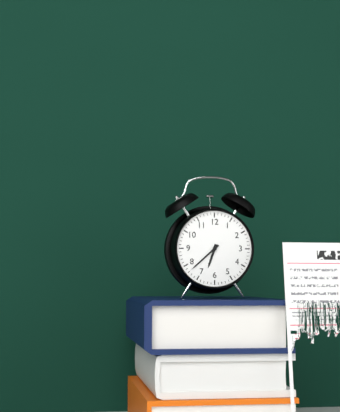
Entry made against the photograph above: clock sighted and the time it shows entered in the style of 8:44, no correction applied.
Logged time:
6:38
